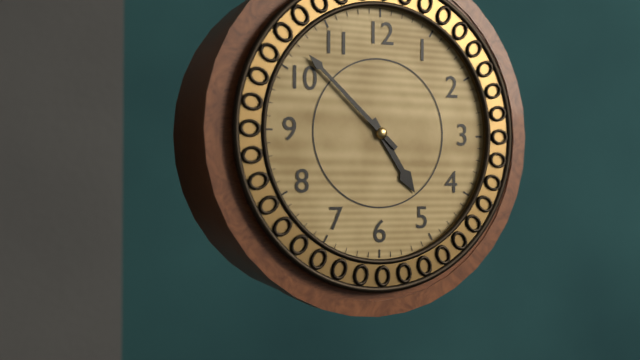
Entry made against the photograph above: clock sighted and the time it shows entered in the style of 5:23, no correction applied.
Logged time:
4:52
